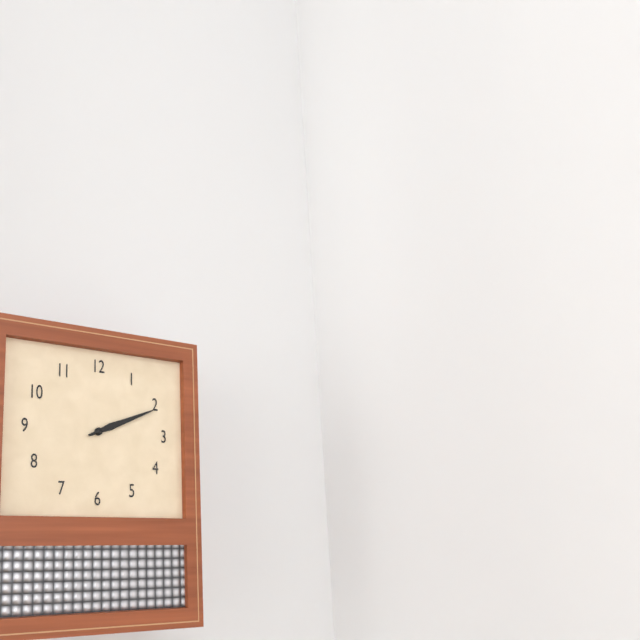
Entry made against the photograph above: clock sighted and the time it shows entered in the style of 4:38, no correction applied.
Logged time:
2:11
